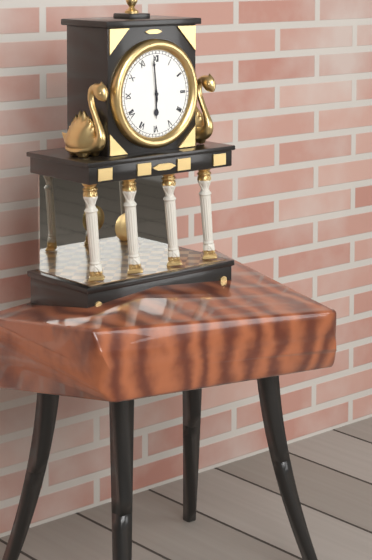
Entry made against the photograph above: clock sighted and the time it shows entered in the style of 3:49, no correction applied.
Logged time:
5:59
